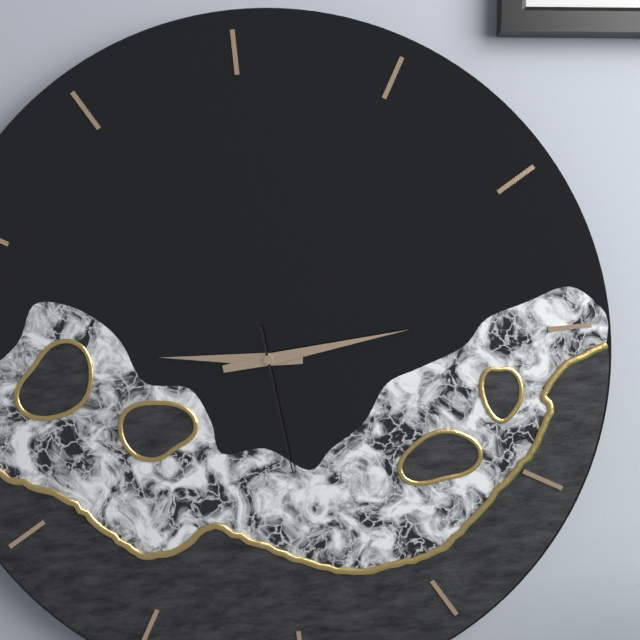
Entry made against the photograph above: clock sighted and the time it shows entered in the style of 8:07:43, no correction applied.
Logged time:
9:14:29
